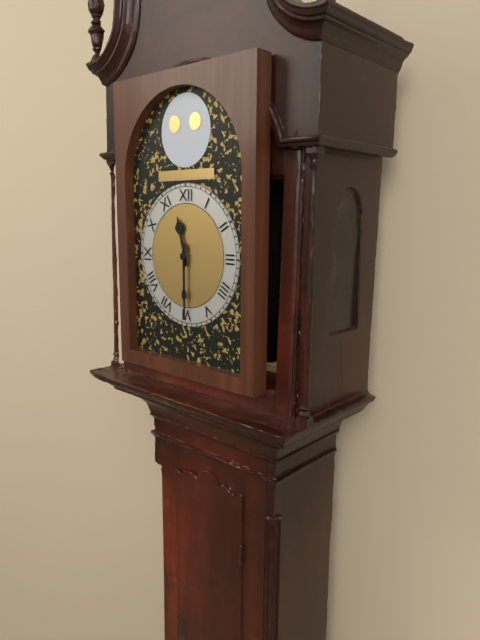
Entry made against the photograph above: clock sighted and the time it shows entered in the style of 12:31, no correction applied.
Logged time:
11:30
